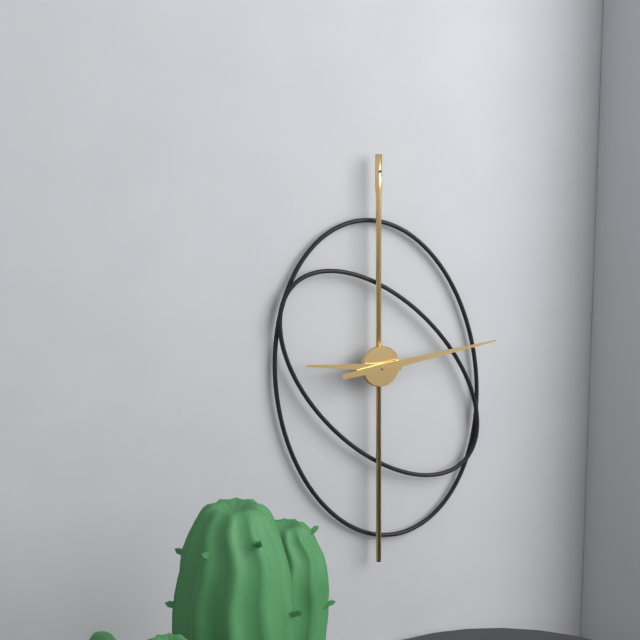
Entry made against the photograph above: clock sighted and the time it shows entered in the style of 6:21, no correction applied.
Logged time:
9:14
